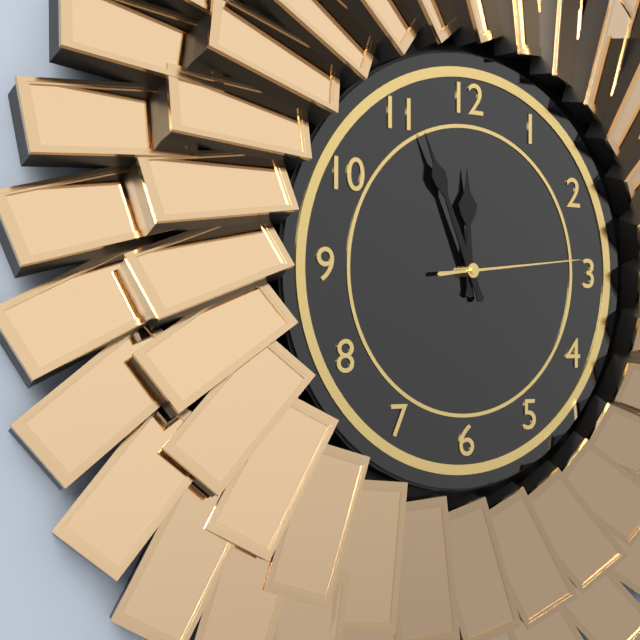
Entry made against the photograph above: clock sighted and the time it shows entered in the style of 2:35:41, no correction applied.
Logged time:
11:56:14
